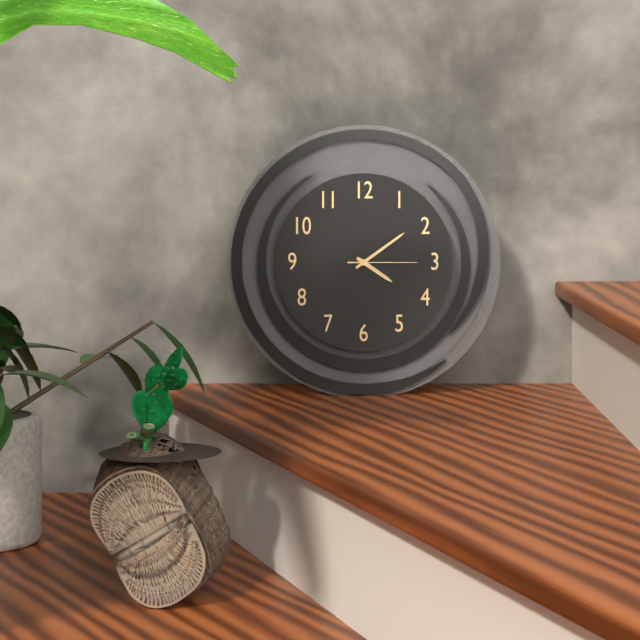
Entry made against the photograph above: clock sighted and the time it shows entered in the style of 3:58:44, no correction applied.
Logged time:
4:09:15
